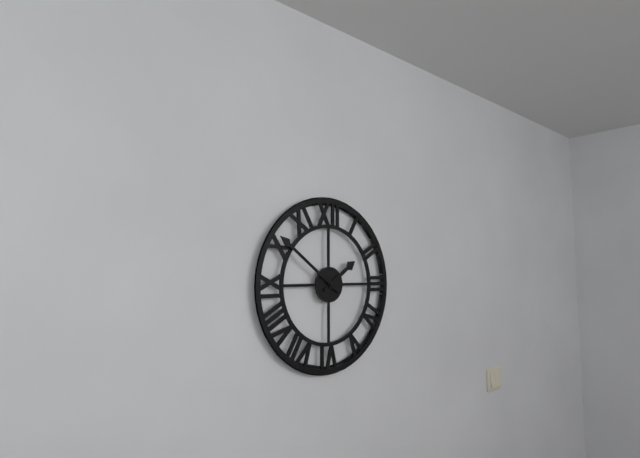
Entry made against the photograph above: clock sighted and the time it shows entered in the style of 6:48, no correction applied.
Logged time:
1:51
